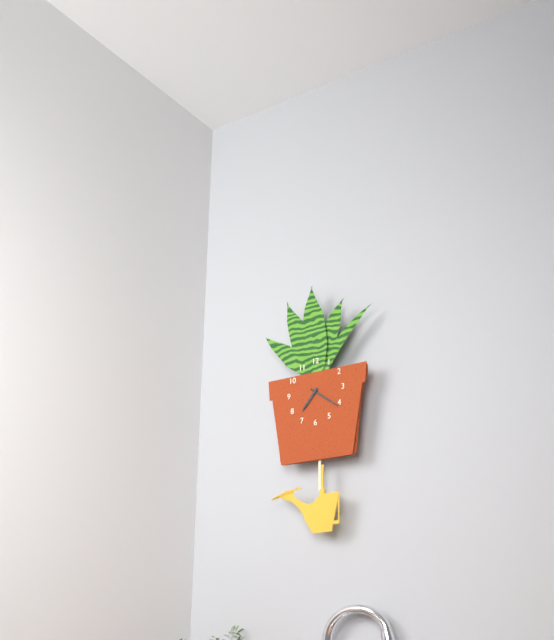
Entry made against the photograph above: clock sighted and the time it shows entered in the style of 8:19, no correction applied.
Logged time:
7:21
